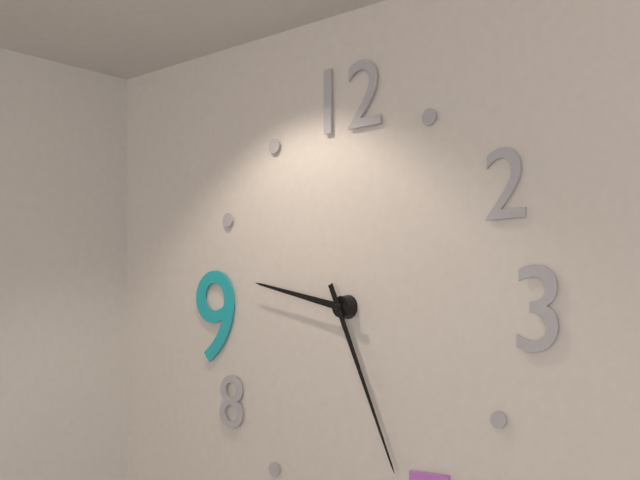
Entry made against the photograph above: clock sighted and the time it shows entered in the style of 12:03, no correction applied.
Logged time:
9:26
